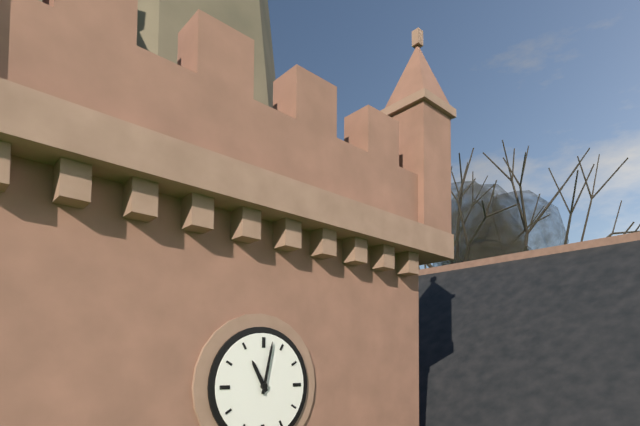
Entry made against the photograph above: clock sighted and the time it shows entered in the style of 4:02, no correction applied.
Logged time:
11:02
